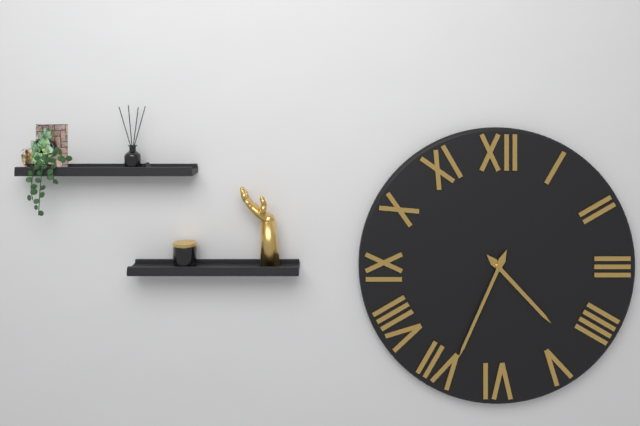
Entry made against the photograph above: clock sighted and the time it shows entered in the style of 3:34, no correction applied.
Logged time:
4:34
